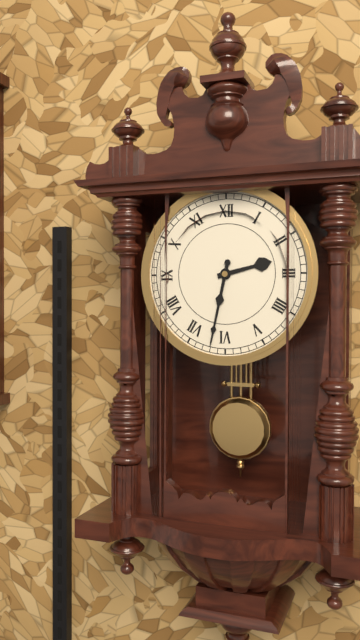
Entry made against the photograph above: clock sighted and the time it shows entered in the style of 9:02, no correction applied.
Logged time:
2:32
